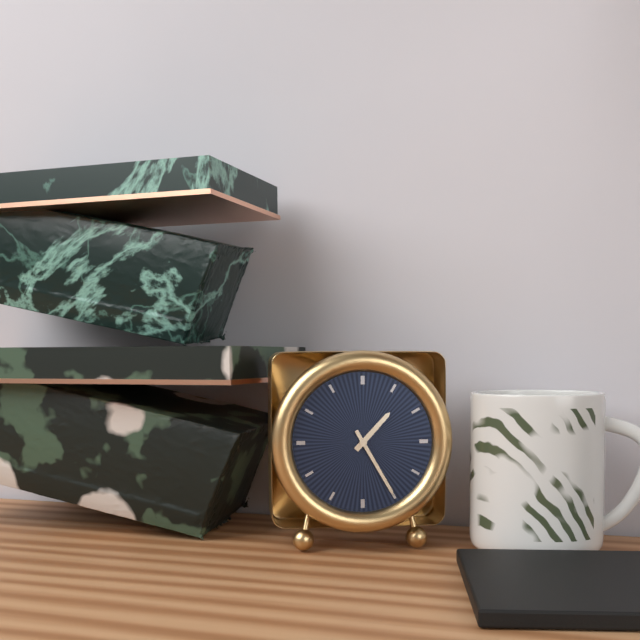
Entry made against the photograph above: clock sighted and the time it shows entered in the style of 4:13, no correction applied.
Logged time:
1:25
